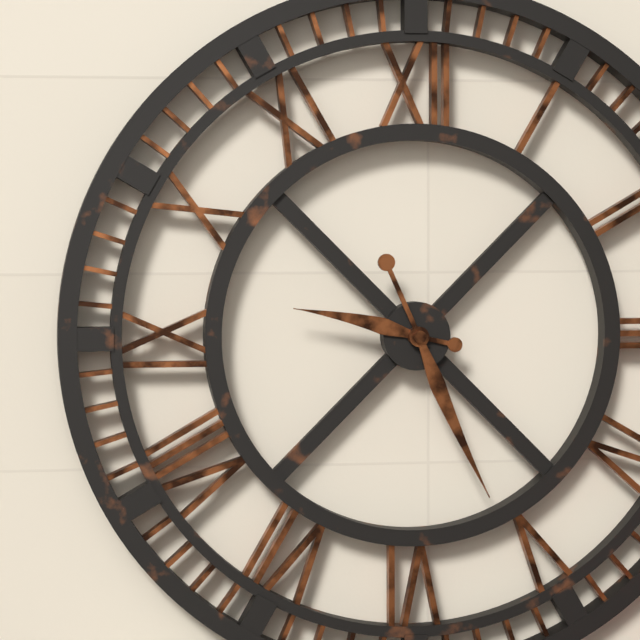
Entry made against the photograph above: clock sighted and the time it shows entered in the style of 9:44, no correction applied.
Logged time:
9:26
